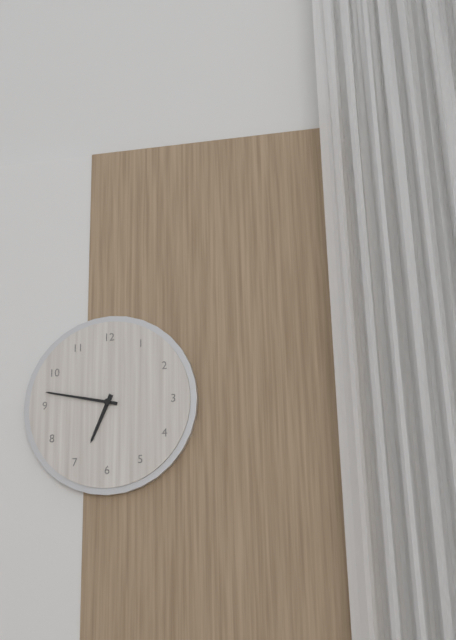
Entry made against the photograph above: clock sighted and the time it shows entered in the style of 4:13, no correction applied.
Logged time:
6:47
